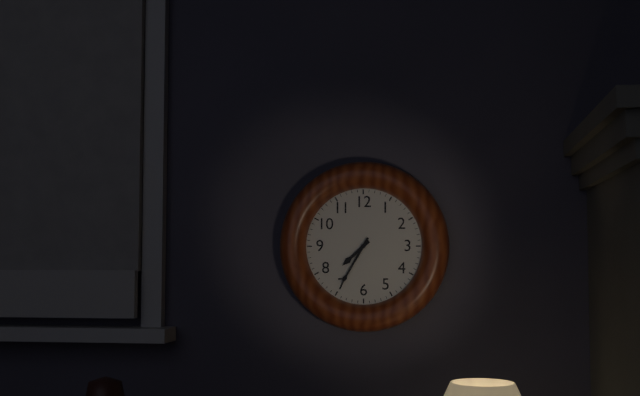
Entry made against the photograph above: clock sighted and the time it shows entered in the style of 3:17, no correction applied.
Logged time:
7:35
